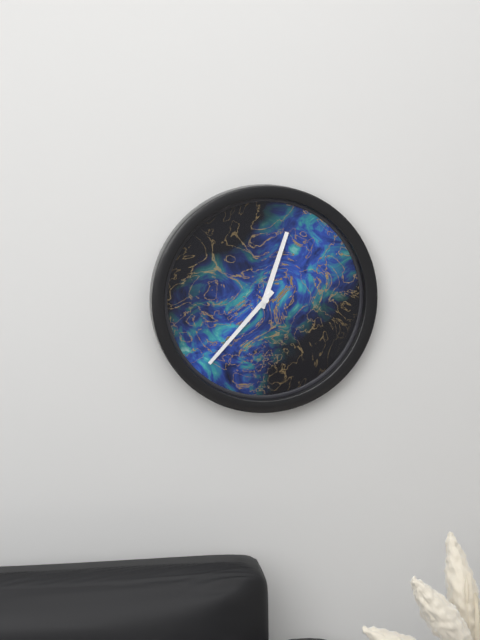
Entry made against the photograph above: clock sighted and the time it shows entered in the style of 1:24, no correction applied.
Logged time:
12:37
